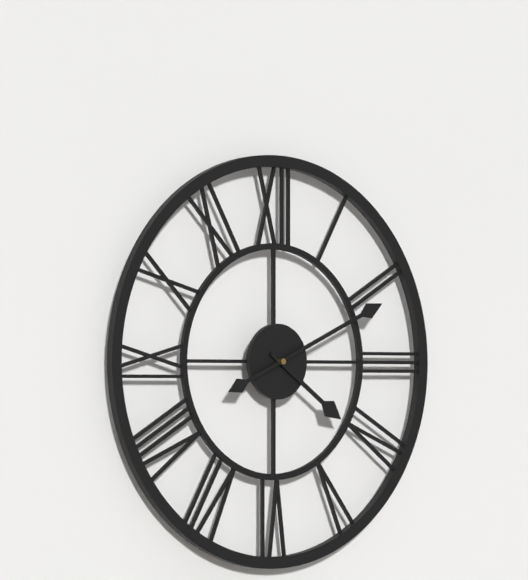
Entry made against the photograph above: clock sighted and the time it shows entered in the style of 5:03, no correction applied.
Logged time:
4:11
